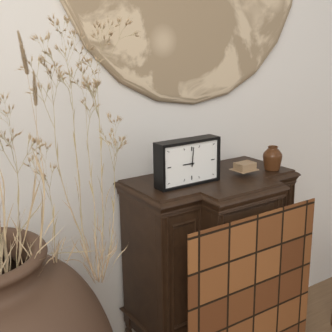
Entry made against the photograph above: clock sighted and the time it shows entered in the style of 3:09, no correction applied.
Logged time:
9:01
